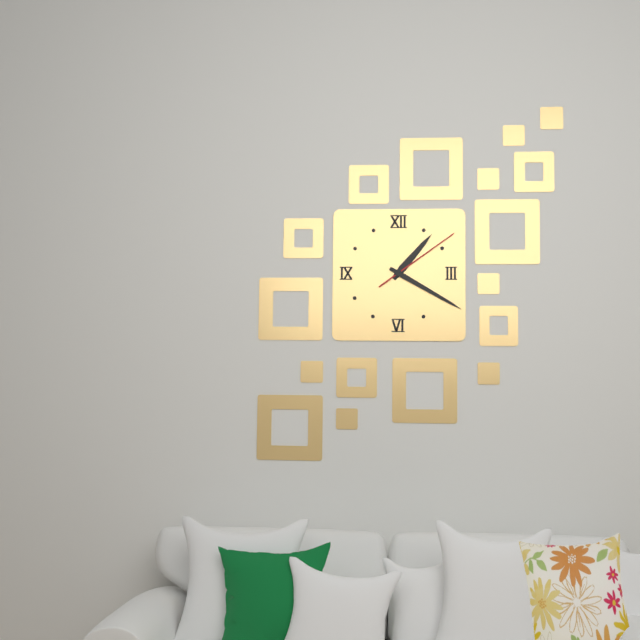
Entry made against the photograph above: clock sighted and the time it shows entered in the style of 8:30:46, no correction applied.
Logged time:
1:20:09
